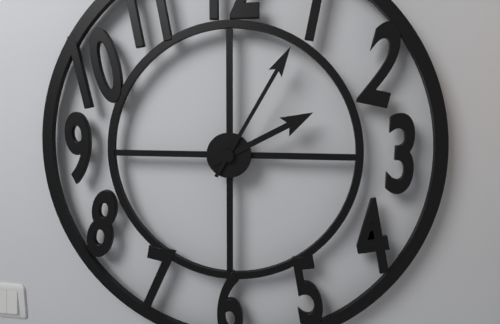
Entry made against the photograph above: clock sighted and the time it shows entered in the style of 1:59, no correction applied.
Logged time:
2:05
